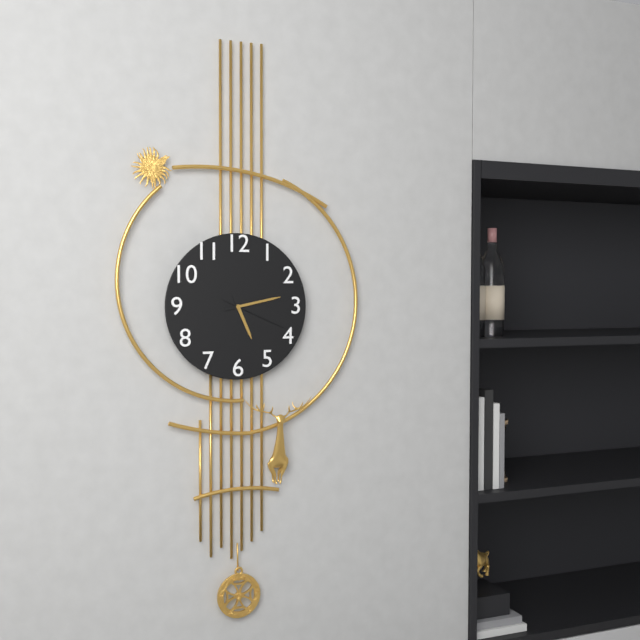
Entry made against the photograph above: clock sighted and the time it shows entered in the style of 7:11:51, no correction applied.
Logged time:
5:13:19
